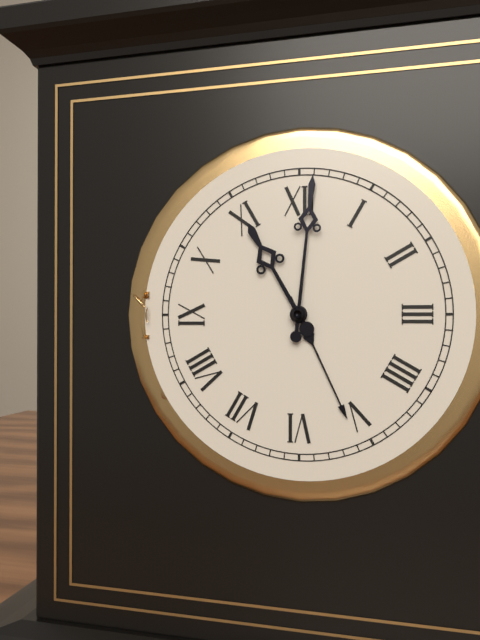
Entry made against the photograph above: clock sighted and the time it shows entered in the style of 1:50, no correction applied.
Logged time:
11:01
